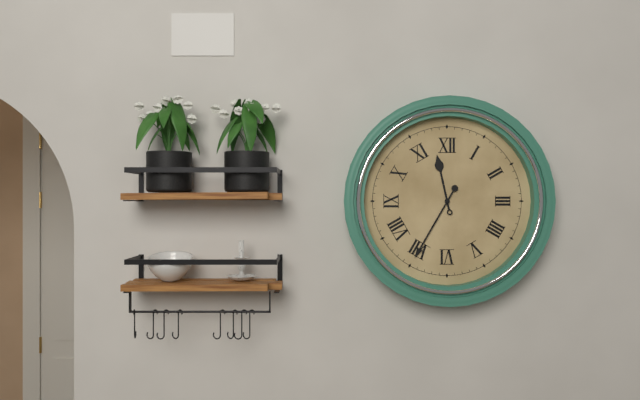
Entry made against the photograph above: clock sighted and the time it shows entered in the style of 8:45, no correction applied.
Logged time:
11:35
